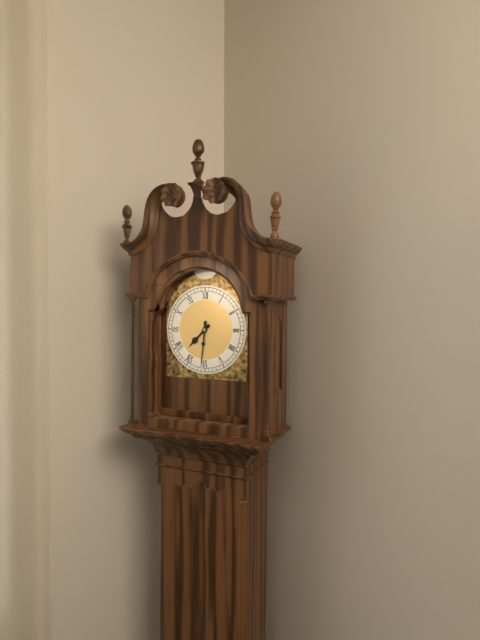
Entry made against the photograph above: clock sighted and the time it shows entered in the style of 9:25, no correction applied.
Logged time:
7:31
